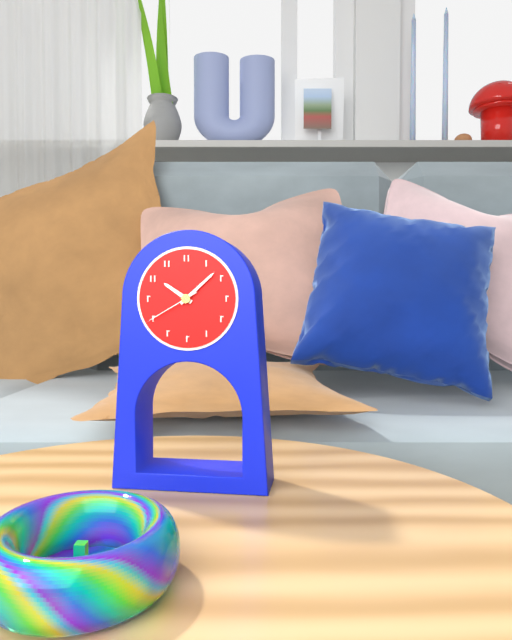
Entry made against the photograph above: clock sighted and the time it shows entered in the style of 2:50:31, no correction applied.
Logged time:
10:08:40
